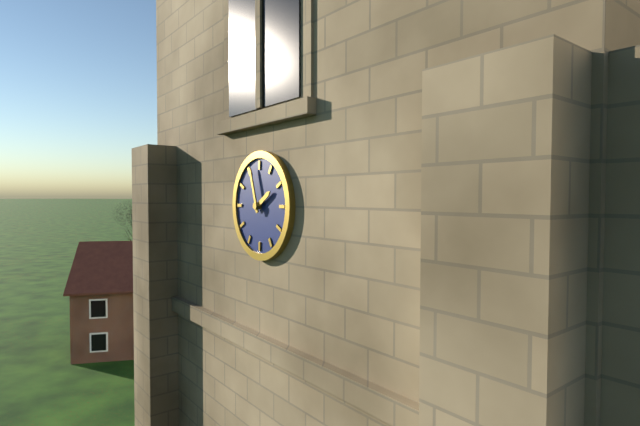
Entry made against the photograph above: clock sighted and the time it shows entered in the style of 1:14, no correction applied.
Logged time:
1:57
